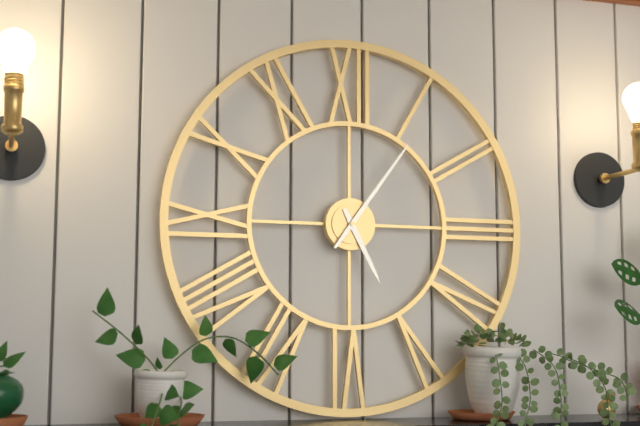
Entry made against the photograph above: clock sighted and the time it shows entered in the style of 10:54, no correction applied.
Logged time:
5:06
